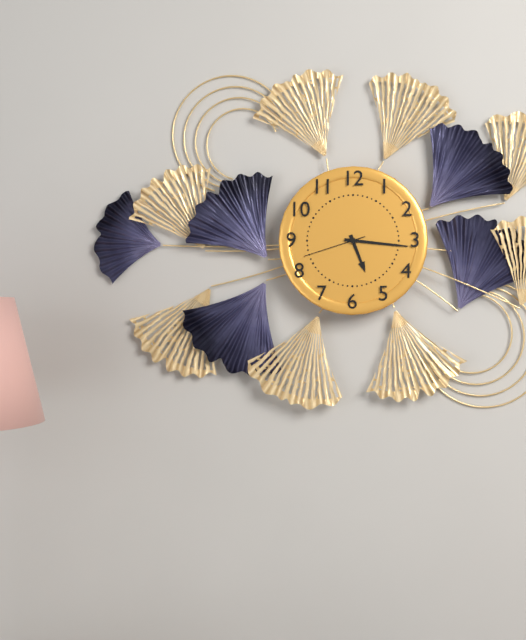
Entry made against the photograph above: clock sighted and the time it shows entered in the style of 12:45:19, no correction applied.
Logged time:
5:16:42
